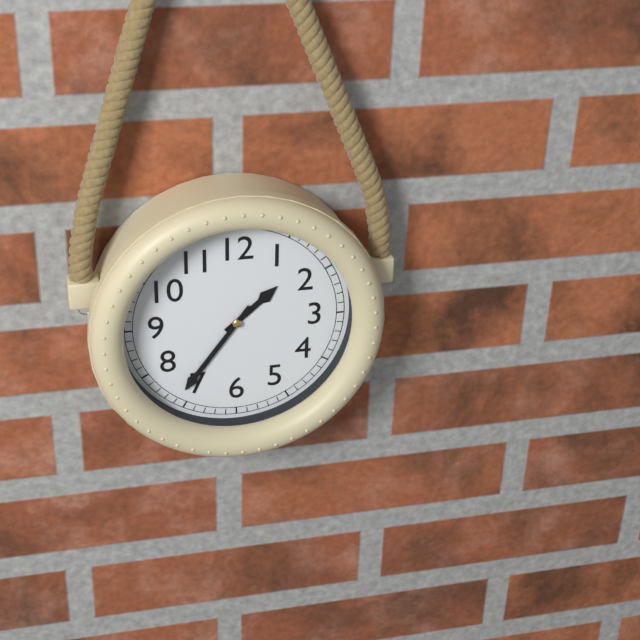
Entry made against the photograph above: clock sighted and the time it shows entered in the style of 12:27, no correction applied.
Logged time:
1:36
